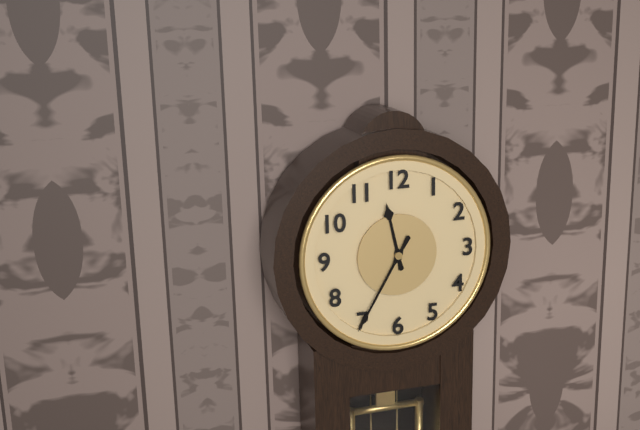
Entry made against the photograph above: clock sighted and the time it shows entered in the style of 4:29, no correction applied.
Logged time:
11:35
